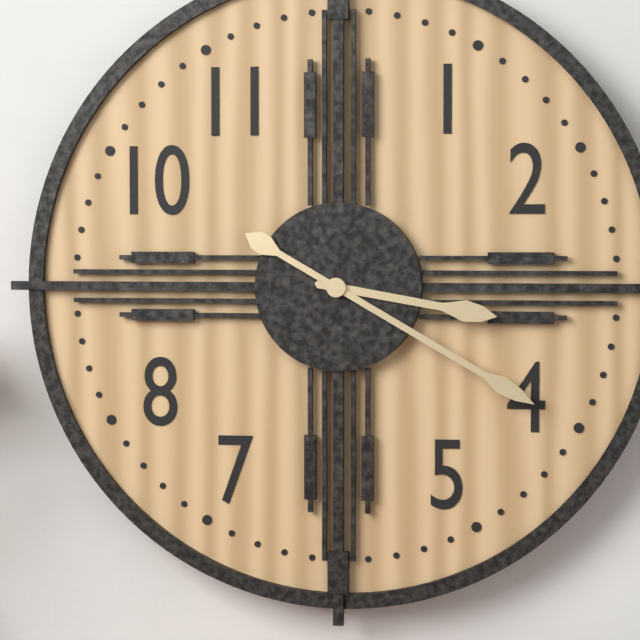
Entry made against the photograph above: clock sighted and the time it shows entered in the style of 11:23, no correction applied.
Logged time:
3:20
